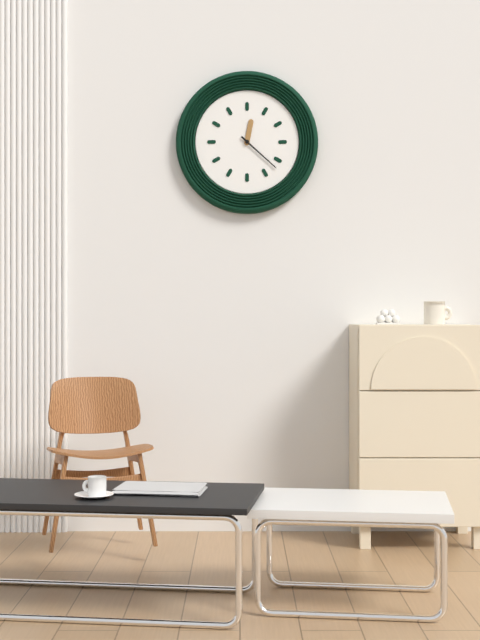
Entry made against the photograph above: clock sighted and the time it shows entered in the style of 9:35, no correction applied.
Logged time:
12:22
